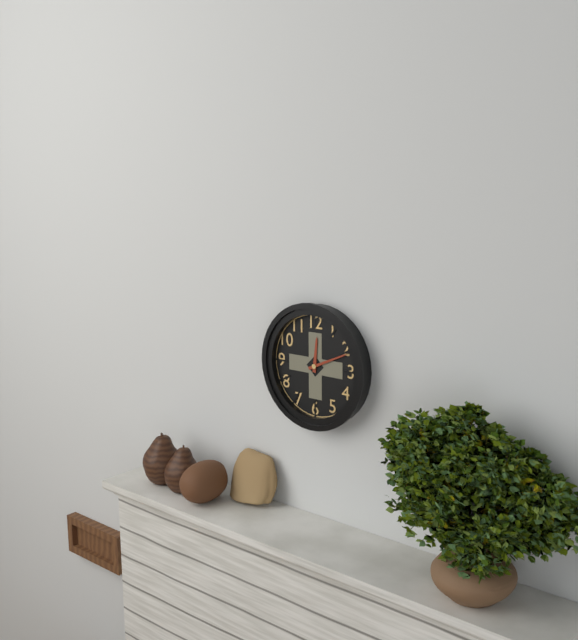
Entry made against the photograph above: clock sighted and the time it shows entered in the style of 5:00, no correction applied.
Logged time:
12:11
